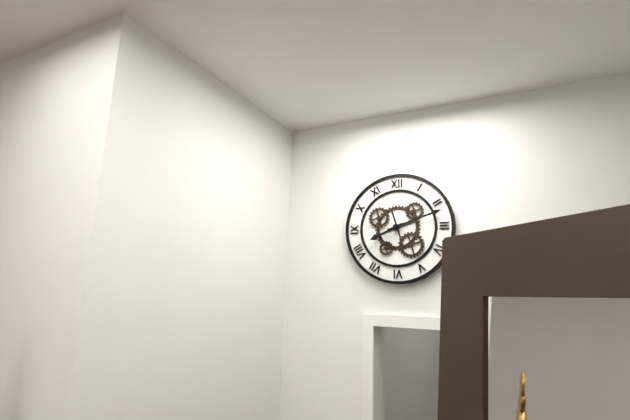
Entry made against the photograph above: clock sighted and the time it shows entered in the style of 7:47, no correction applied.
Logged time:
8:12
